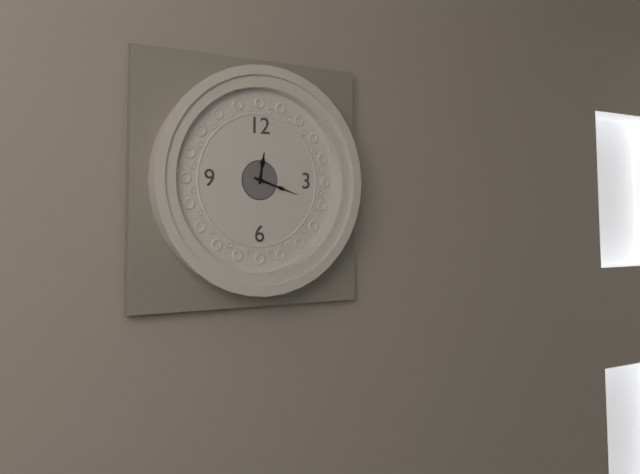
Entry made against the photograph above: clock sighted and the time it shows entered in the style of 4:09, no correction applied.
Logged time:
12:18
